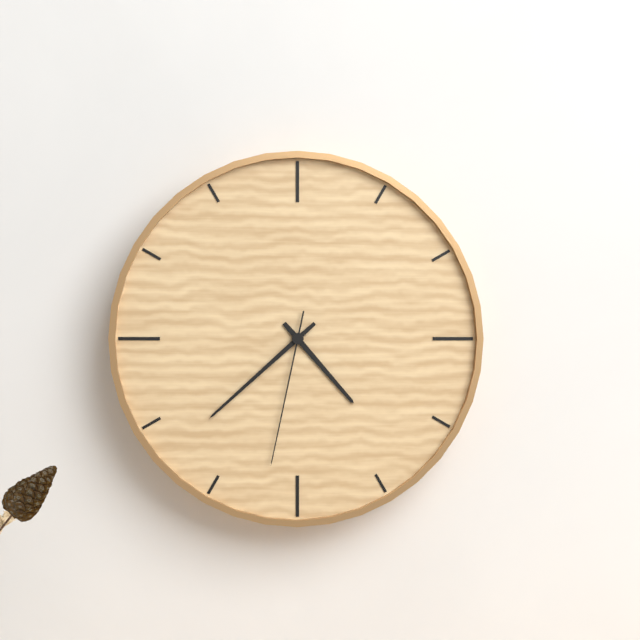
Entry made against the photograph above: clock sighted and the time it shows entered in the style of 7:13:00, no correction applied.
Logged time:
4:38:32
